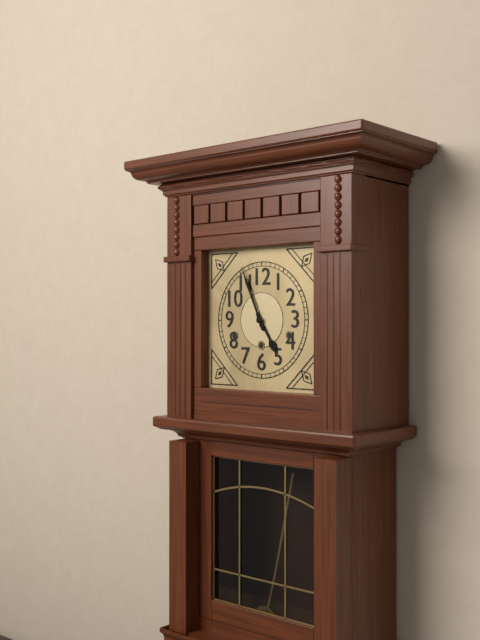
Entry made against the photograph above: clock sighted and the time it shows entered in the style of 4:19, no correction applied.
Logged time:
4:56
